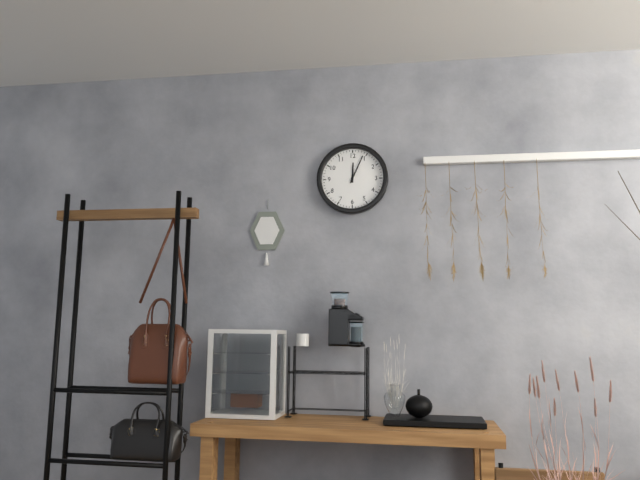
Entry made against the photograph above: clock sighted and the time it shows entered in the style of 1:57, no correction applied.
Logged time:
12:04
